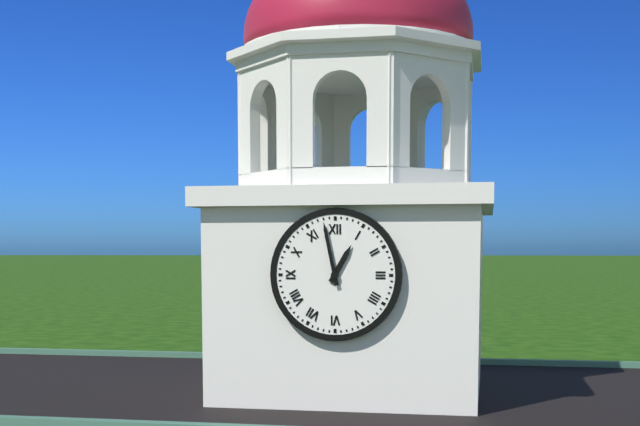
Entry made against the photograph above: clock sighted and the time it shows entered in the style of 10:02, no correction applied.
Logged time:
12:58
